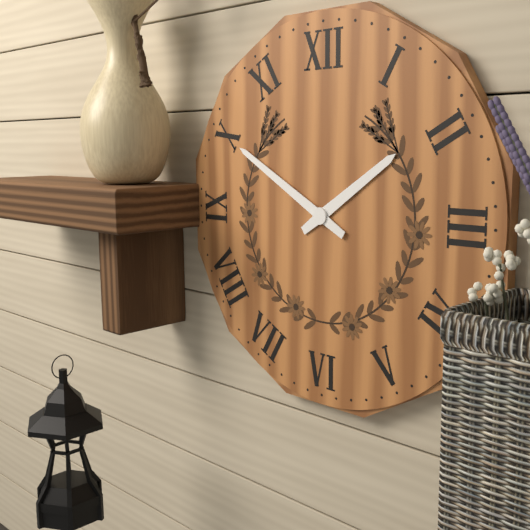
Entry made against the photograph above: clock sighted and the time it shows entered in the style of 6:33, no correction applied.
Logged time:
1:50
